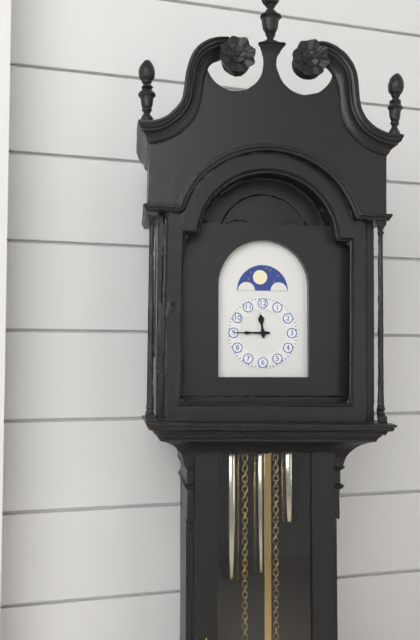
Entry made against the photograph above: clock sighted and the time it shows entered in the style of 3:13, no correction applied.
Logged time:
11:45
